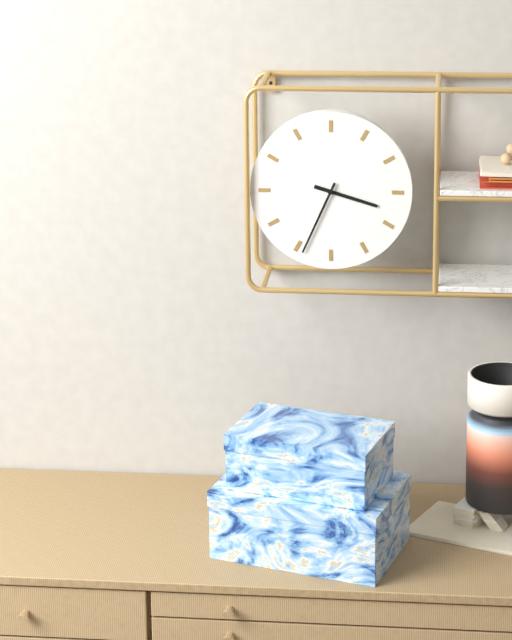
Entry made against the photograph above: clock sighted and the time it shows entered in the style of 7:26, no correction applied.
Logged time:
3:34
